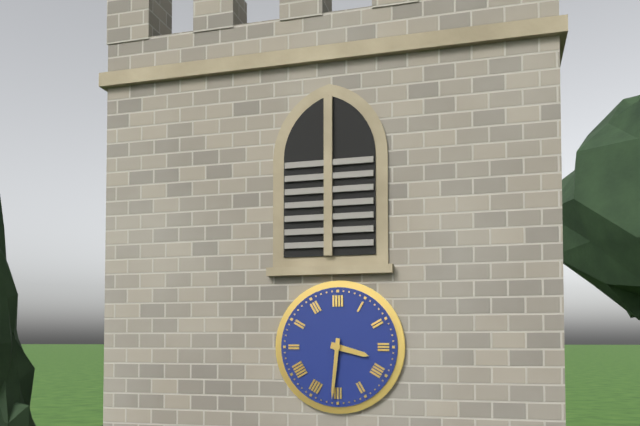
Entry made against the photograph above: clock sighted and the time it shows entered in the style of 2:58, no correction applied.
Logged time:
3:31
